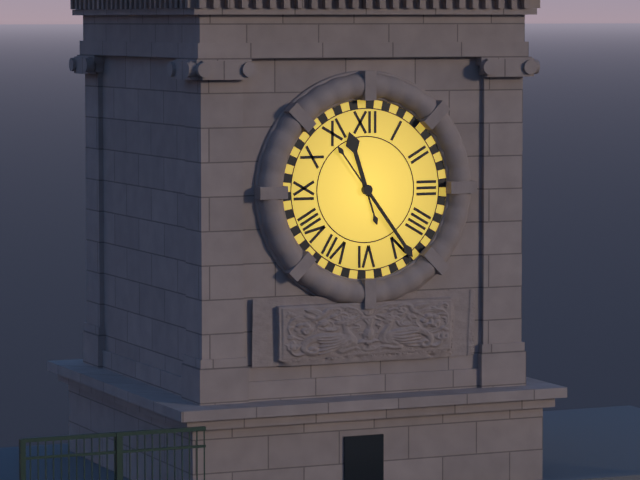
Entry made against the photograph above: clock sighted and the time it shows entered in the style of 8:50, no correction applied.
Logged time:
11:24
